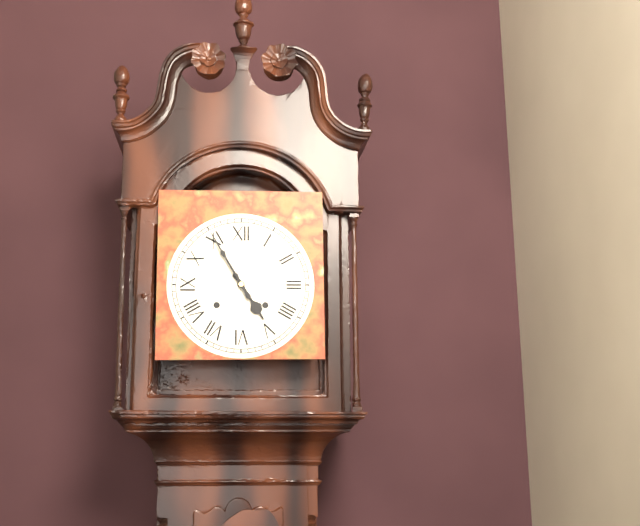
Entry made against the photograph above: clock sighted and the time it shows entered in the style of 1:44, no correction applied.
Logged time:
4:55
